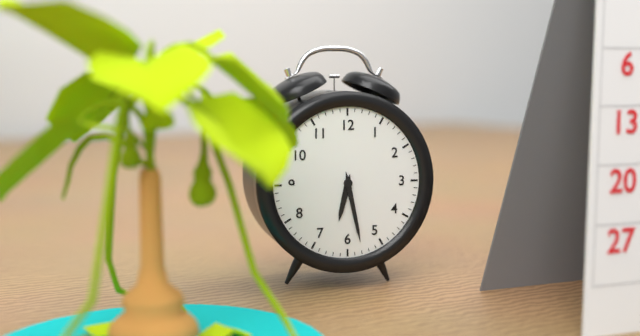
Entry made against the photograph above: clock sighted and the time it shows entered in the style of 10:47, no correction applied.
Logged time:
6:28
